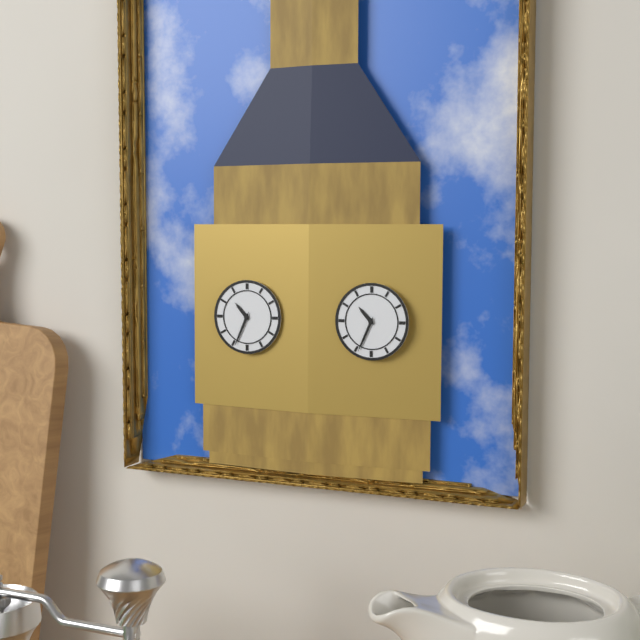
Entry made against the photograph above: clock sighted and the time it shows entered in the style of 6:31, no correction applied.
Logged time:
10:34
